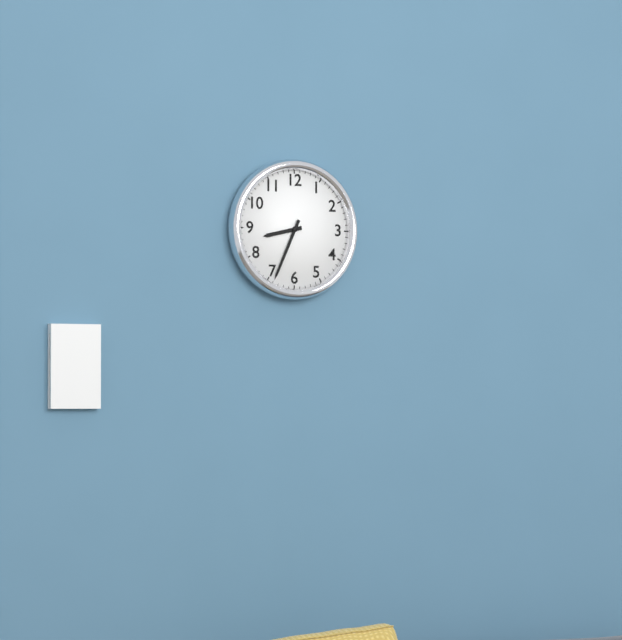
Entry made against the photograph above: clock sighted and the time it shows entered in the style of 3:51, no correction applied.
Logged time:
8:34
